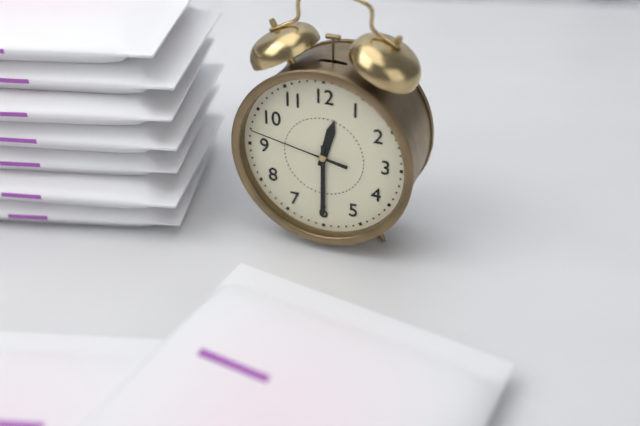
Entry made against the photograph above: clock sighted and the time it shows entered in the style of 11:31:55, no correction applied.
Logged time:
12:30:47
